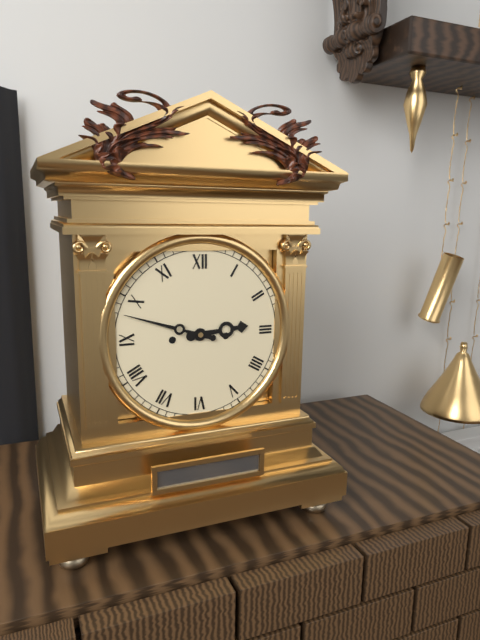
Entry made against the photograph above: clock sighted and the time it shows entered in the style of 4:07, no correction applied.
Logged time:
2:48
